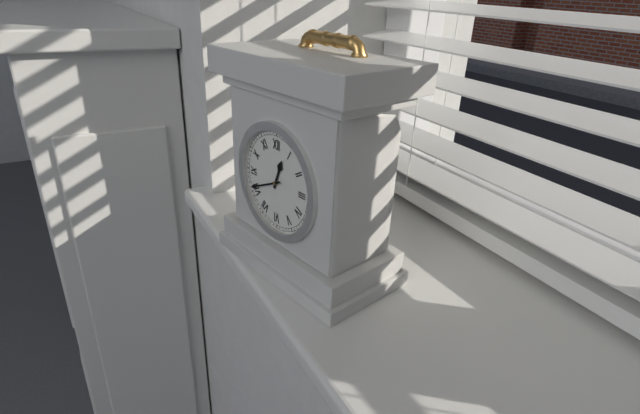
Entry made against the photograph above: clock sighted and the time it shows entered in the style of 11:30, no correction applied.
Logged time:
12:41
